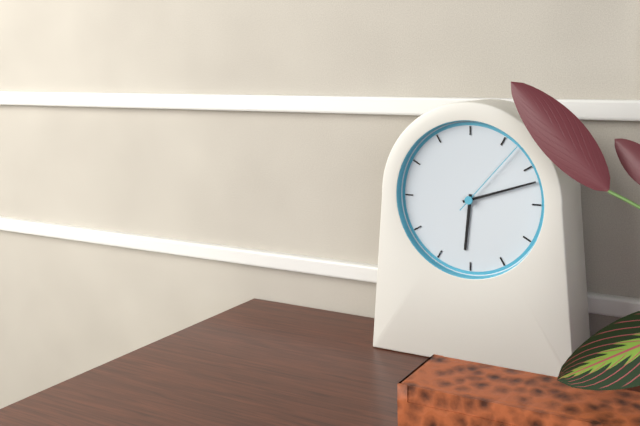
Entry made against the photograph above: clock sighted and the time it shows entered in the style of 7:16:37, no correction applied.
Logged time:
6:12:07
